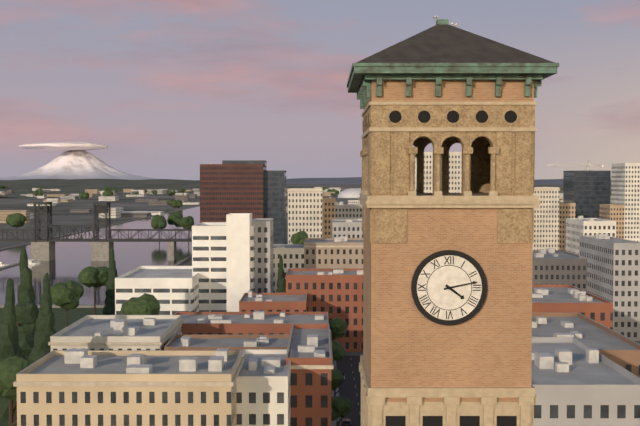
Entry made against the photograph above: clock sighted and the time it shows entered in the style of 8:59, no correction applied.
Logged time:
4:13
